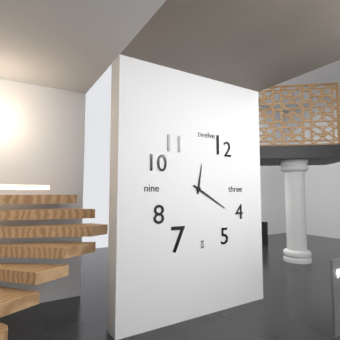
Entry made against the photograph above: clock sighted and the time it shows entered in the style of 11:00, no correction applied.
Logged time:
12:20
